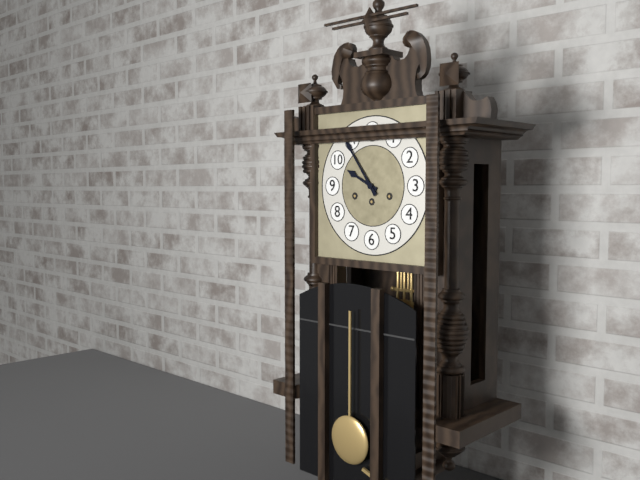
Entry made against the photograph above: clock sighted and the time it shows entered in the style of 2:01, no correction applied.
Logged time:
9:54
